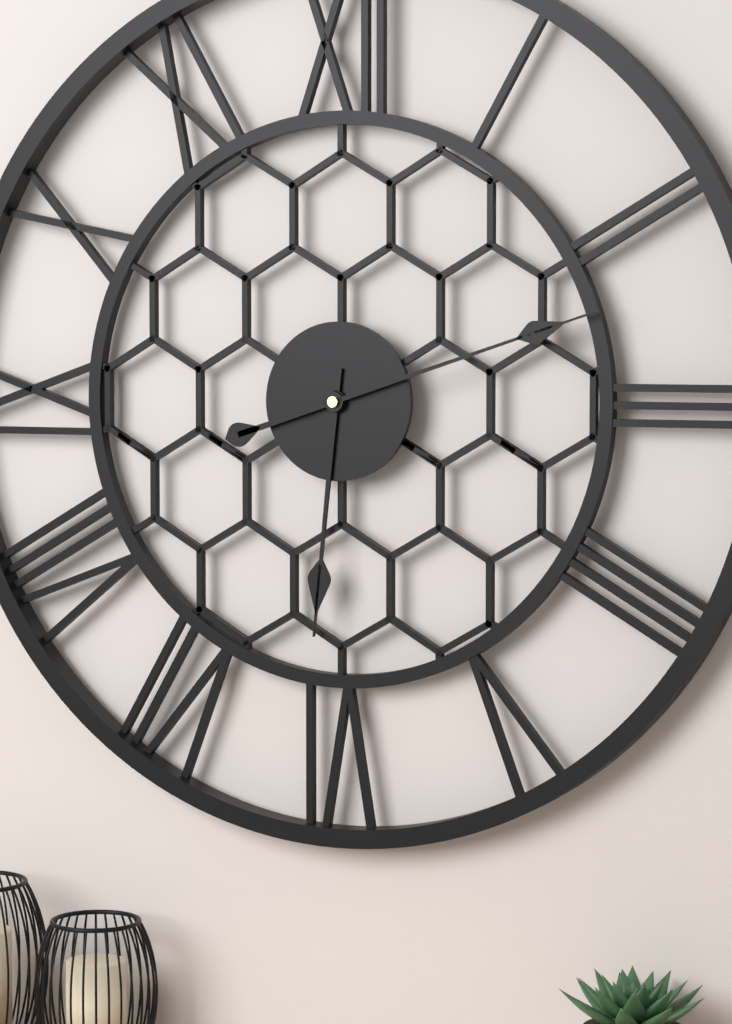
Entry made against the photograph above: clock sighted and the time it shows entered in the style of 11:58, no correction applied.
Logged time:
6:12
